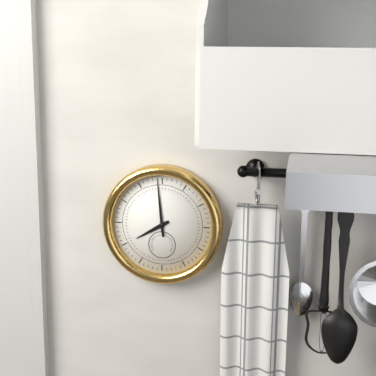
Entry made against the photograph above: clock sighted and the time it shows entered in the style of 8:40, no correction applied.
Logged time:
7:59
